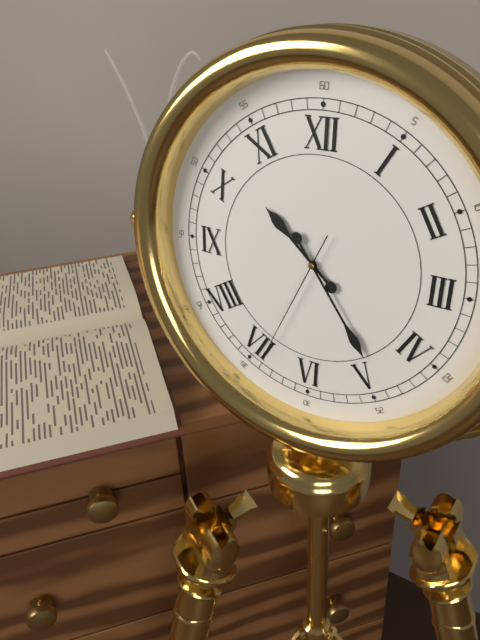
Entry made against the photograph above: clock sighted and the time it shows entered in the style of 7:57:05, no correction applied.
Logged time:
10:24:34
